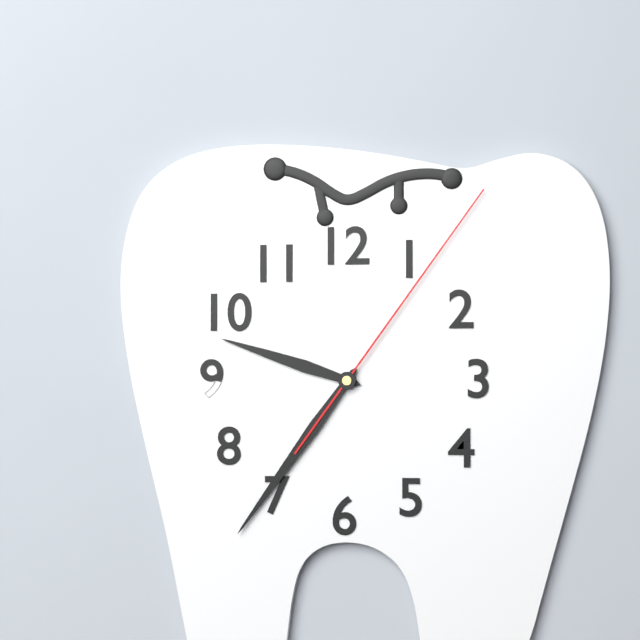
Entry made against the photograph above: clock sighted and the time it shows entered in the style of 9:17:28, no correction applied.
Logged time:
9:36:06
